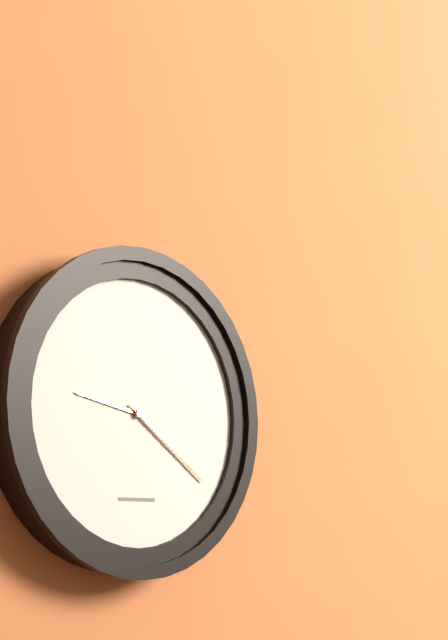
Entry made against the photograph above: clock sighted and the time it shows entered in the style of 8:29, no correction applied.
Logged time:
9:21
